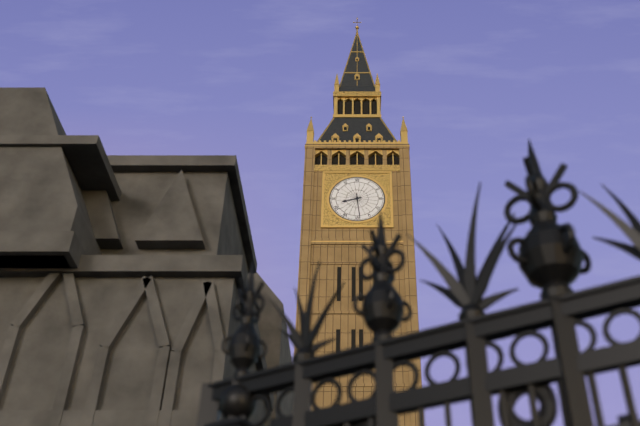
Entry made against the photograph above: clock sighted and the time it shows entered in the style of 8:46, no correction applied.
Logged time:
8:29
